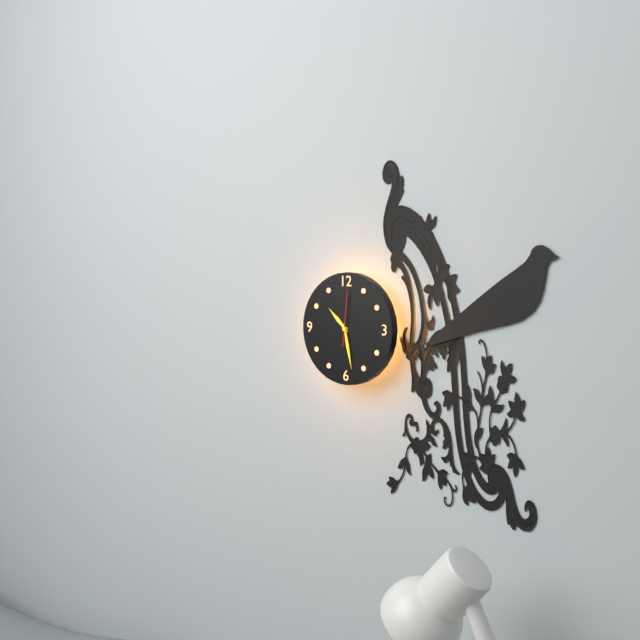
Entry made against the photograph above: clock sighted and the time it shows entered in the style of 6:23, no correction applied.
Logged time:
10:28
